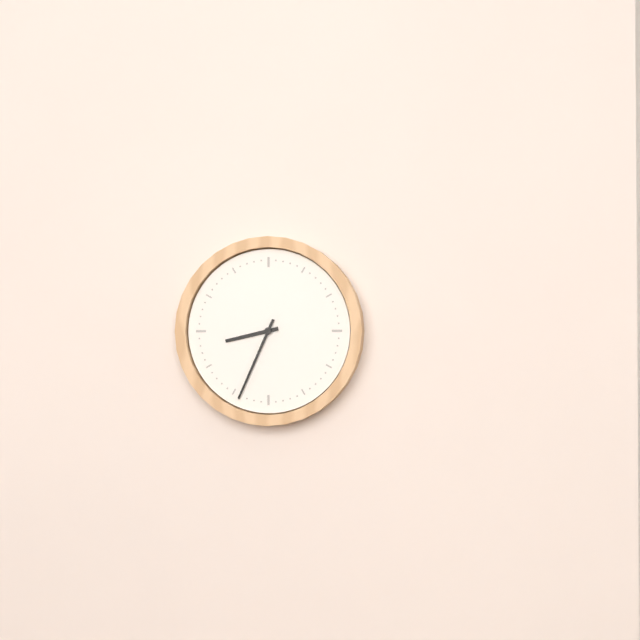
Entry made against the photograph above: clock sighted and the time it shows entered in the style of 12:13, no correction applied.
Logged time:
8:34
